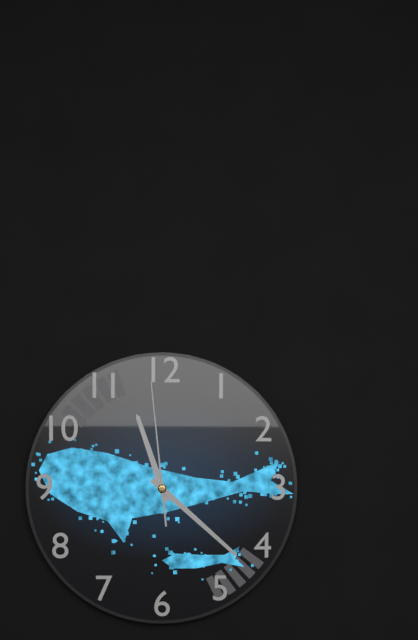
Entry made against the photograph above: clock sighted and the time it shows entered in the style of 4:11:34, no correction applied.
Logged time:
11:22:59
